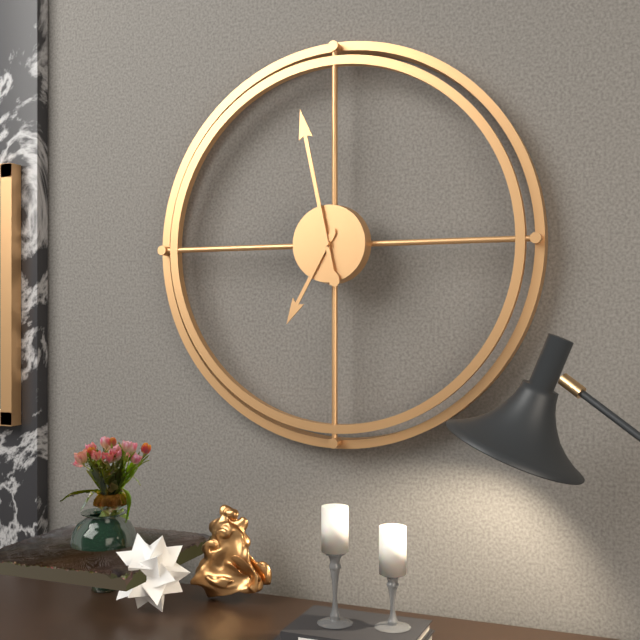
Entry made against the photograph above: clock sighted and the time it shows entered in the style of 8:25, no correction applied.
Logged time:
6:58
